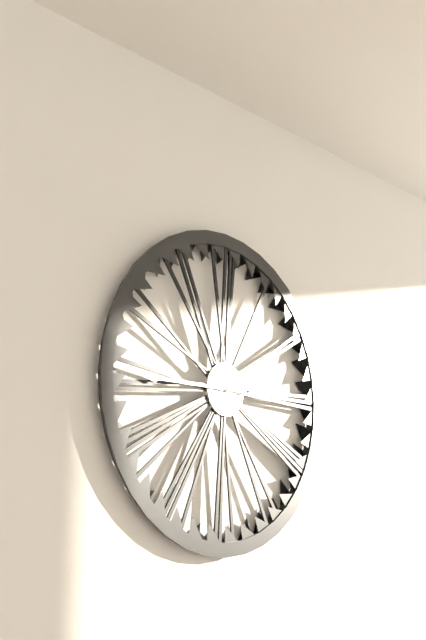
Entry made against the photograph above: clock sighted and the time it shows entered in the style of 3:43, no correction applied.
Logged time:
2:45
